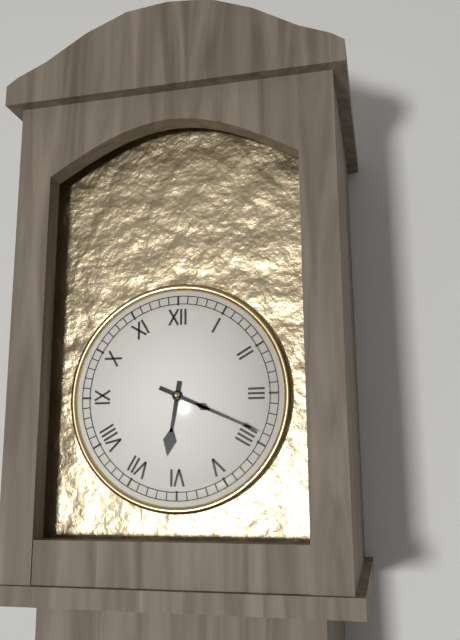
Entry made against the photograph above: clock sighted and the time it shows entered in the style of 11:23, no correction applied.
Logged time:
6:19
